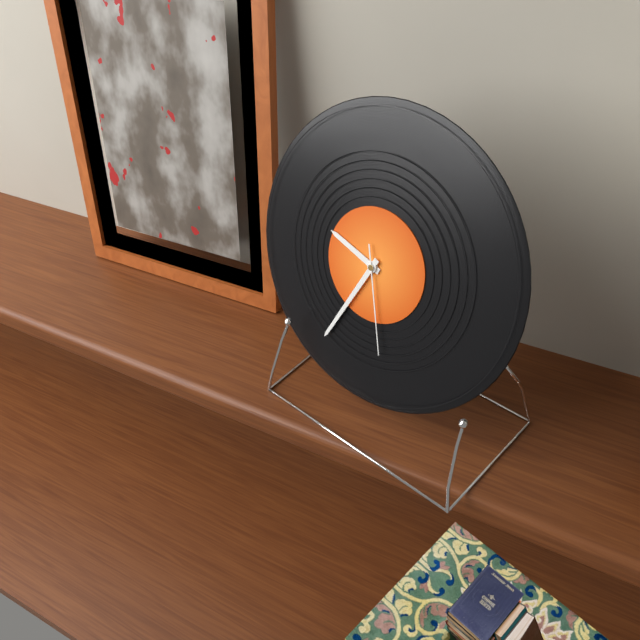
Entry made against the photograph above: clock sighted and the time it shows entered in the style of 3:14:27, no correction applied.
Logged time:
9:34:27
